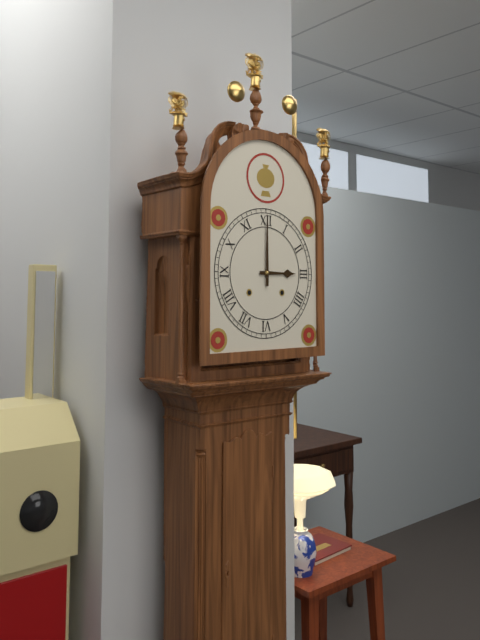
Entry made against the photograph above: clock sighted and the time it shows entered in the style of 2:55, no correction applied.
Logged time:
3:00
